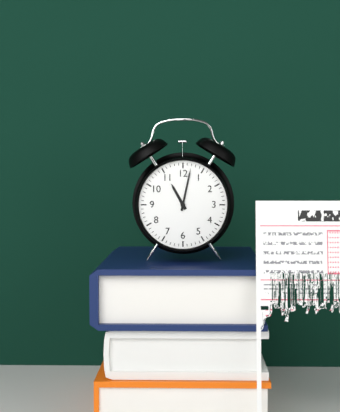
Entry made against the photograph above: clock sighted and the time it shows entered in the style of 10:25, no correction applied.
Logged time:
11:02
